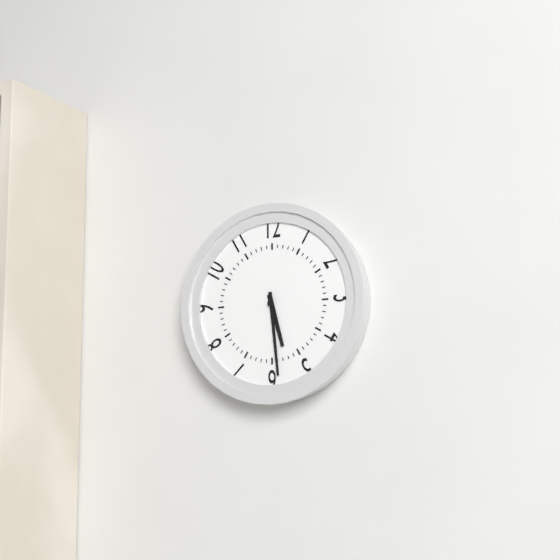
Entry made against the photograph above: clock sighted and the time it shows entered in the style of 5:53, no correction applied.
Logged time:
5:29
